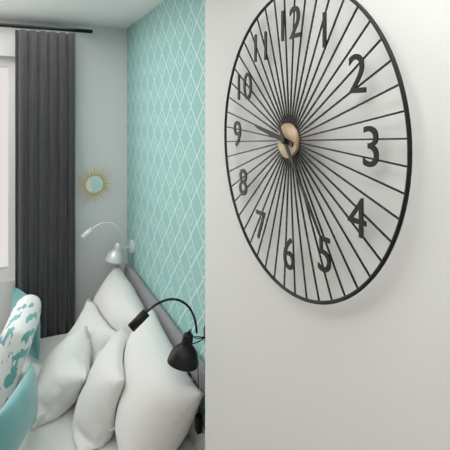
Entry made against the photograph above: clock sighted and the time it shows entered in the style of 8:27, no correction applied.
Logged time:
9:24
